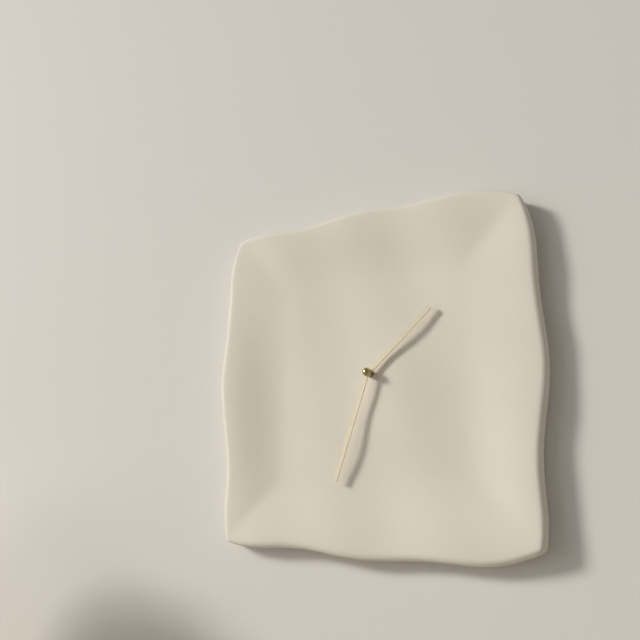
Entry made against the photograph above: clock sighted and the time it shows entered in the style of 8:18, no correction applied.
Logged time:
1:33
